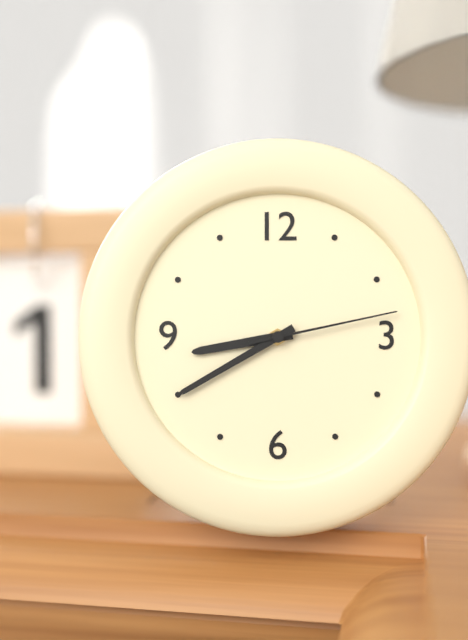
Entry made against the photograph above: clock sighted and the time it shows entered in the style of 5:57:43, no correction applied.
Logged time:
8:40:13
